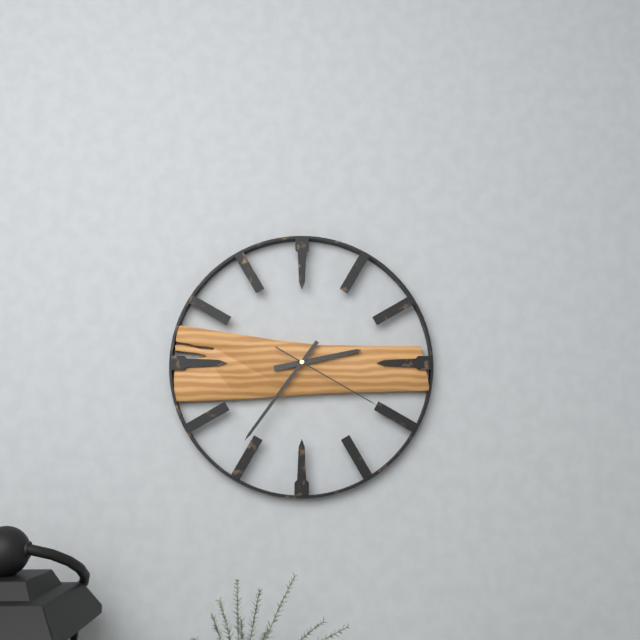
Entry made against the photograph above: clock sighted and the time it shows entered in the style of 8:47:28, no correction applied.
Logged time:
2:36:20
